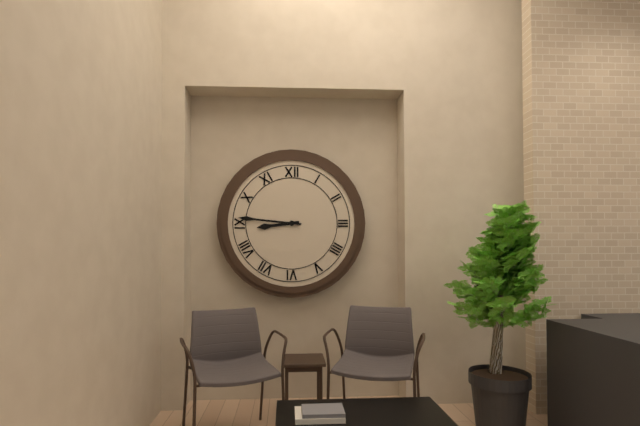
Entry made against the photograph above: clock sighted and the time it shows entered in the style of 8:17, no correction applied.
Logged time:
8:46
